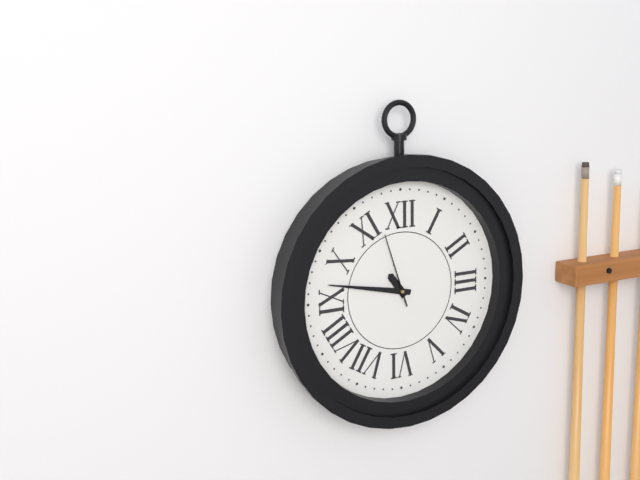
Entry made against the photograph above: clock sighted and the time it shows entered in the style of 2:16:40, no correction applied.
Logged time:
10:47:57
